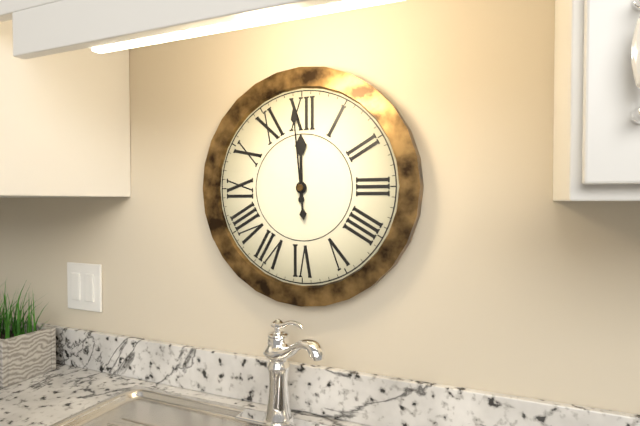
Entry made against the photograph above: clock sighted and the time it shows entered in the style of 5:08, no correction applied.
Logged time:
11:59
